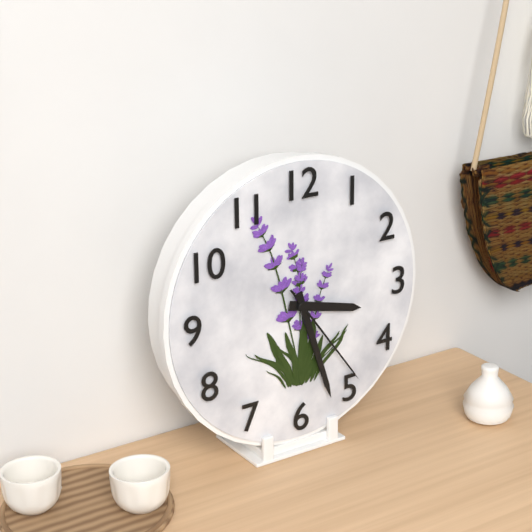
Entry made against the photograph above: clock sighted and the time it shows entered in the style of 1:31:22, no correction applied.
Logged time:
3:27:24
